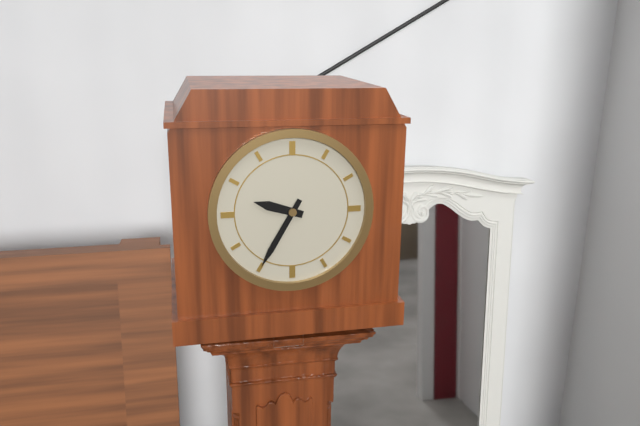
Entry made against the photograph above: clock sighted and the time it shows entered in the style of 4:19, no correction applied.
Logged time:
9:35
